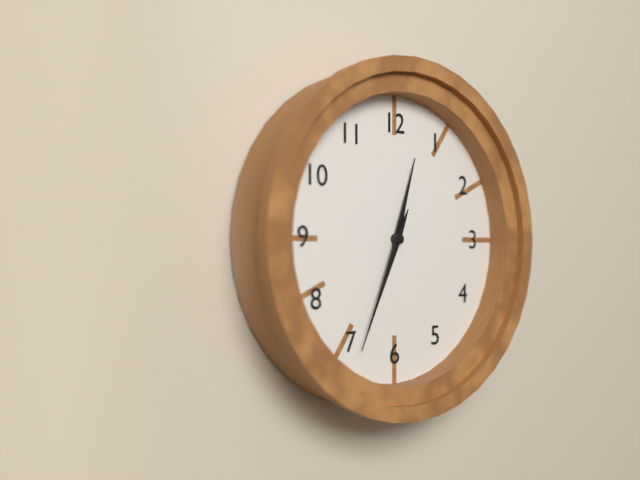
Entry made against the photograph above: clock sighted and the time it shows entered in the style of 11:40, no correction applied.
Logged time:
12:34
